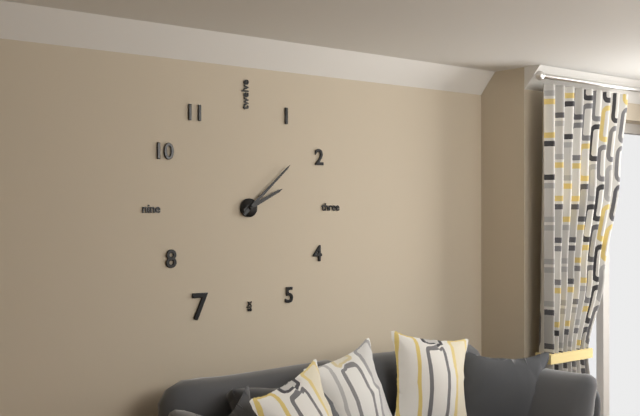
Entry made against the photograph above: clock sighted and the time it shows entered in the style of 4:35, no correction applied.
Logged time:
2:08
